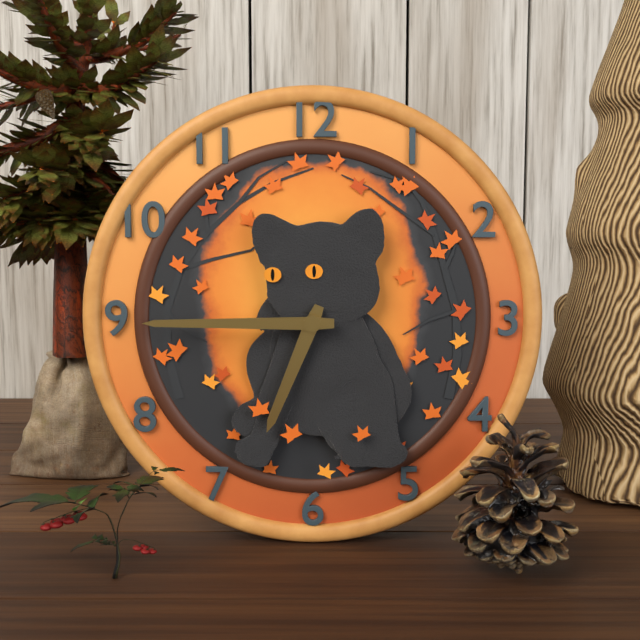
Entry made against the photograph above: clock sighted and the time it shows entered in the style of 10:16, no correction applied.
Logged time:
6:45
